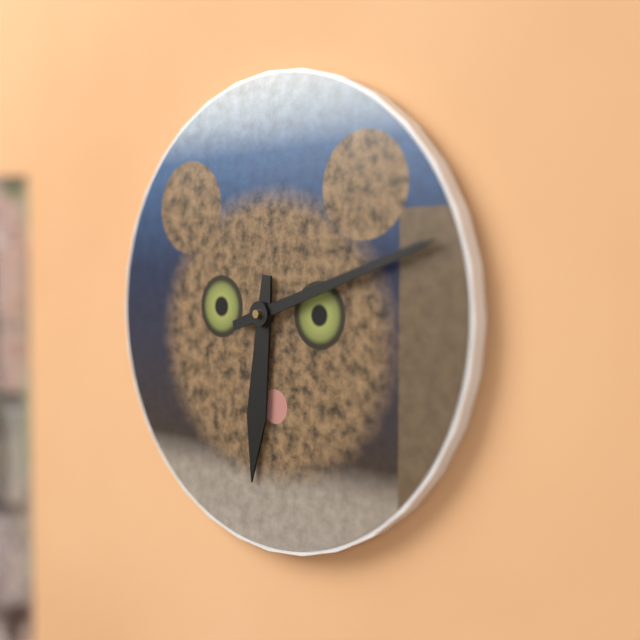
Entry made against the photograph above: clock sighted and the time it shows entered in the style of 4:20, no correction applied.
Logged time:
6:12
